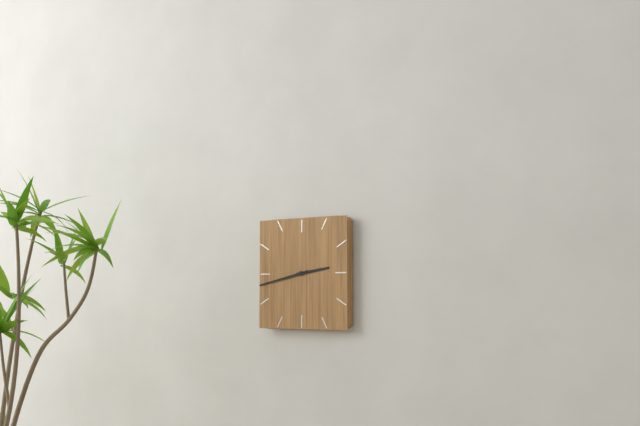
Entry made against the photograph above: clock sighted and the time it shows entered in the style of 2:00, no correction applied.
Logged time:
2:43
